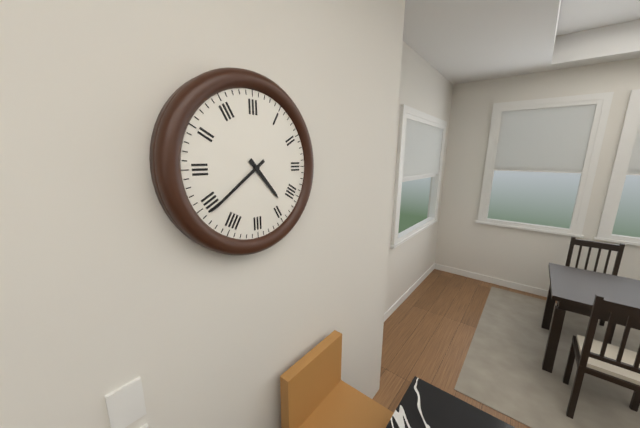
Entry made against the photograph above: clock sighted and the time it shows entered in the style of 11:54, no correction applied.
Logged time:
4:39
